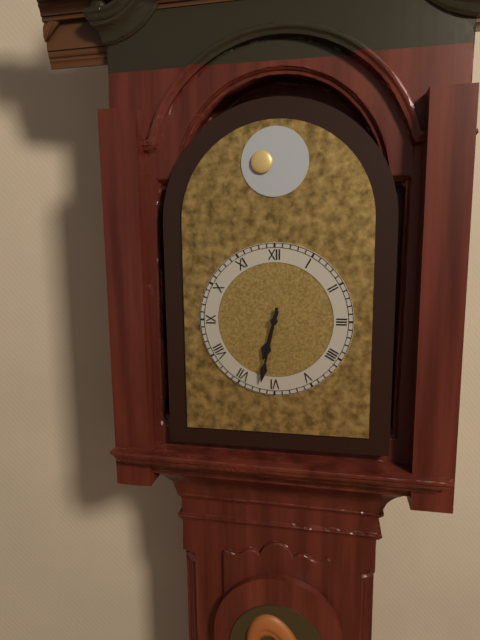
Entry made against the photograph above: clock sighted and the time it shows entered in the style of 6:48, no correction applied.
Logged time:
6:32
